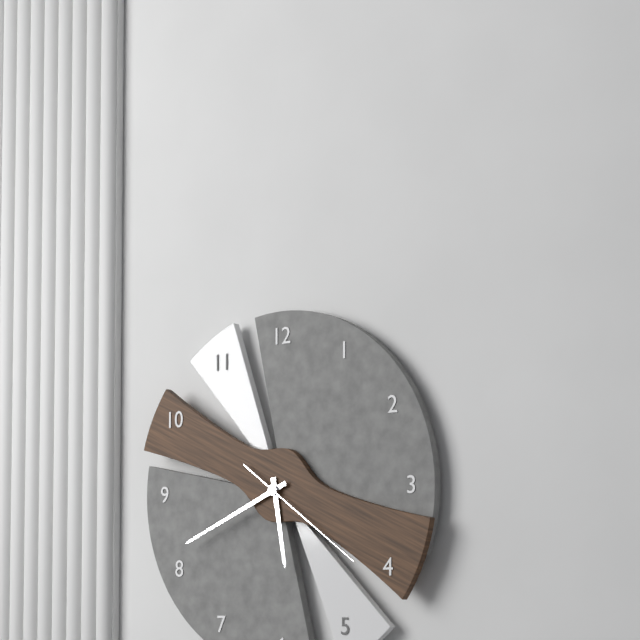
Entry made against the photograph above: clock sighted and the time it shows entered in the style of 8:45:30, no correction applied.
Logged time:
5:41:21
